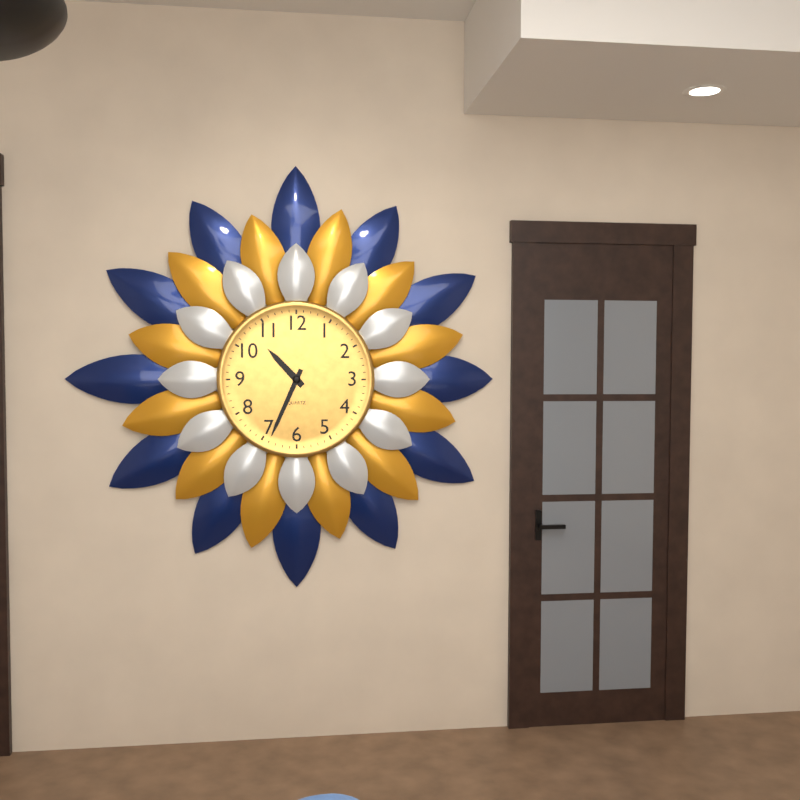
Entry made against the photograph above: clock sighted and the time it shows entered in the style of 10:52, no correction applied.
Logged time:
10:34
